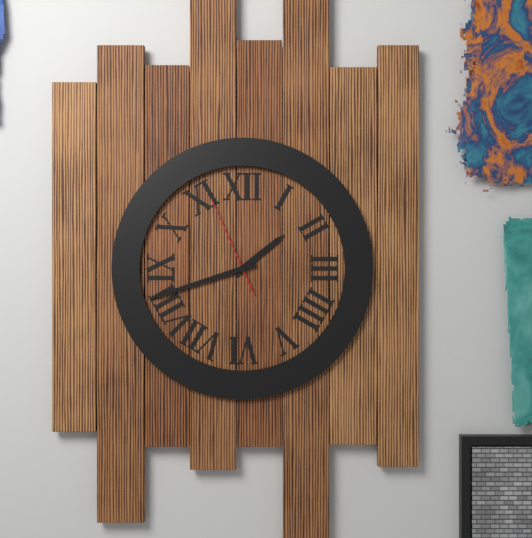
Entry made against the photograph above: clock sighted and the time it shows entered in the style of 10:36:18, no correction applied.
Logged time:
1:42:56
